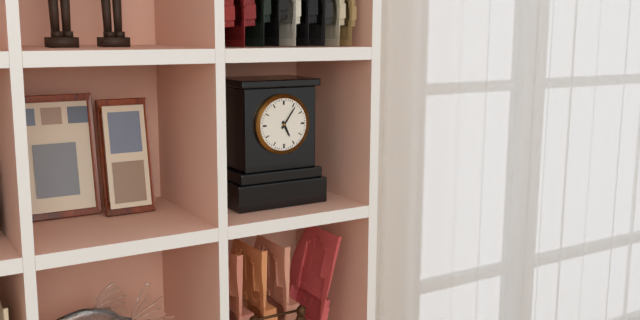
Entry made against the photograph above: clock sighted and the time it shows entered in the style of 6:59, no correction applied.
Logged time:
5:06
